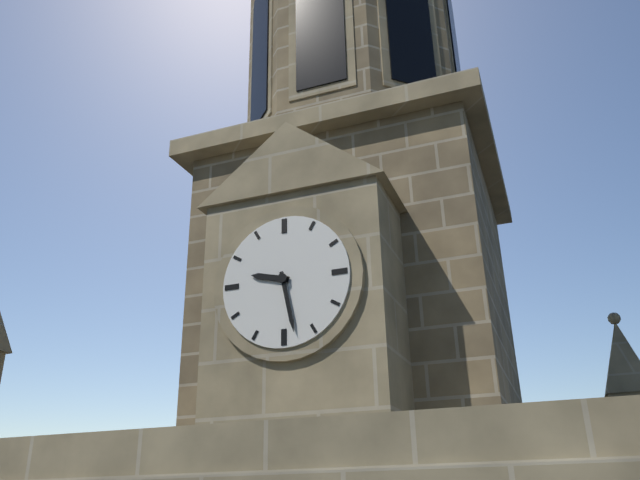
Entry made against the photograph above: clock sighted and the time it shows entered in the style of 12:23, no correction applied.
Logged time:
9:28
